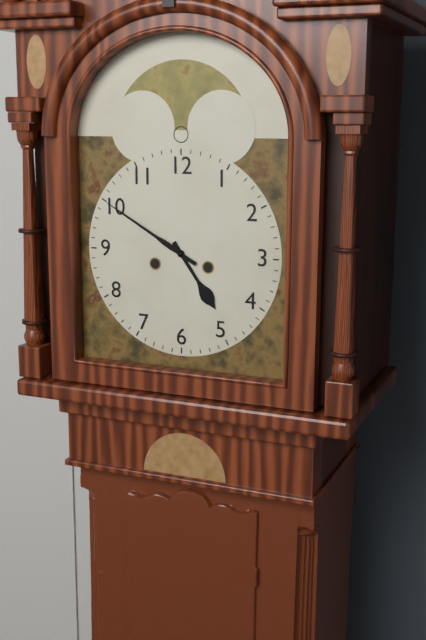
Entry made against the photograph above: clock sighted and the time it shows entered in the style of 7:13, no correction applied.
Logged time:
4:50
